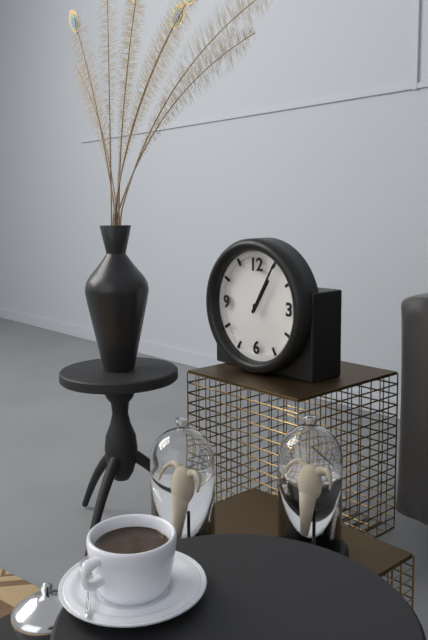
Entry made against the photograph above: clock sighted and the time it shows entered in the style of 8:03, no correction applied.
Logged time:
1:05
